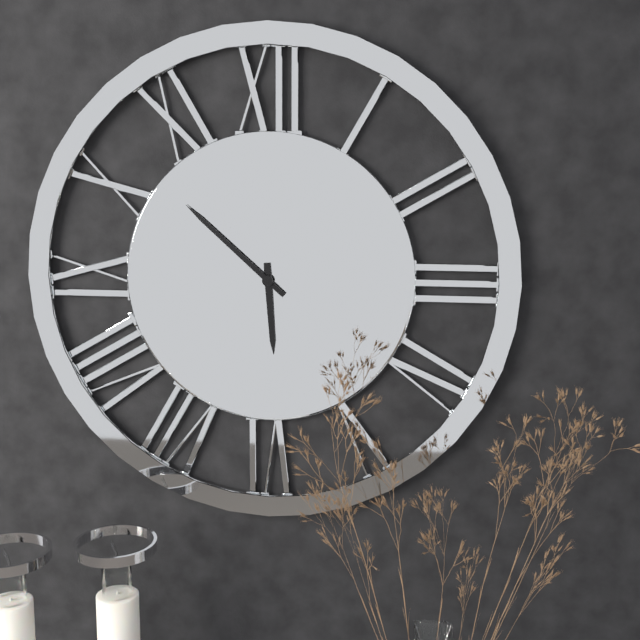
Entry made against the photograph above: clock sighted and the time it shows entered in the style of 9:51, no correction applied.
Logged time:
5:52
